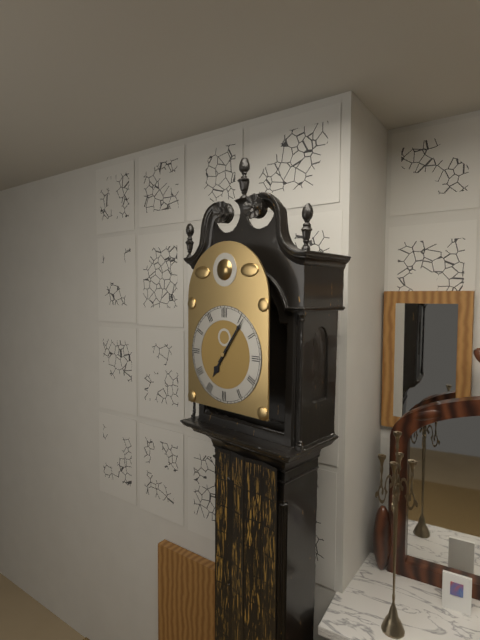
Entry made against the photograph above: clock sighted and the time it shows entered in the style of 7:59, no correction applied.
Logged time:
7:06
